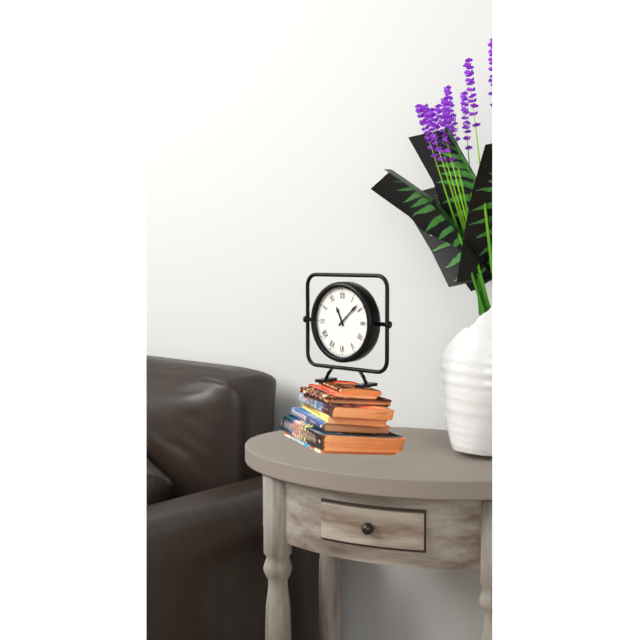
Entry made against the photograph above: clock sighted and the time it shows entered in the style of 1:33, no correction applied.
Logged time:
11:08
